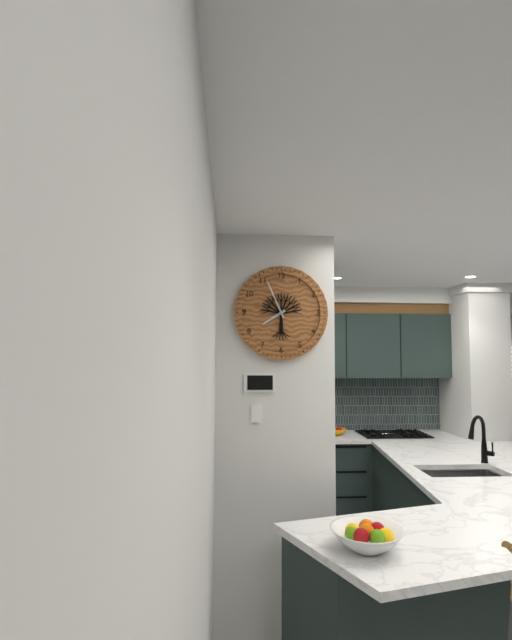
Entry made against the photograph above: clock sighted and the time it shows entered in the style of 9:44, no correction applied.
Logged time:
7:56
